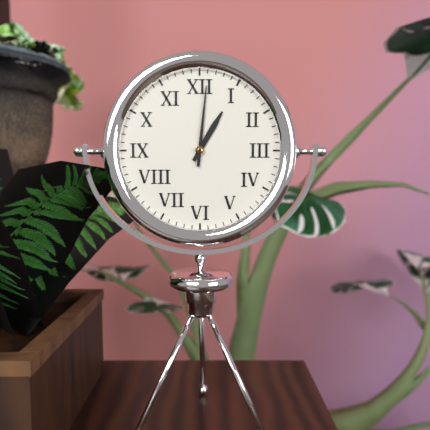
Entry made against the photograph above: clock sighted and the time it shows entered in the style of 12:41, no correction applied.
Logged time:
1:01
